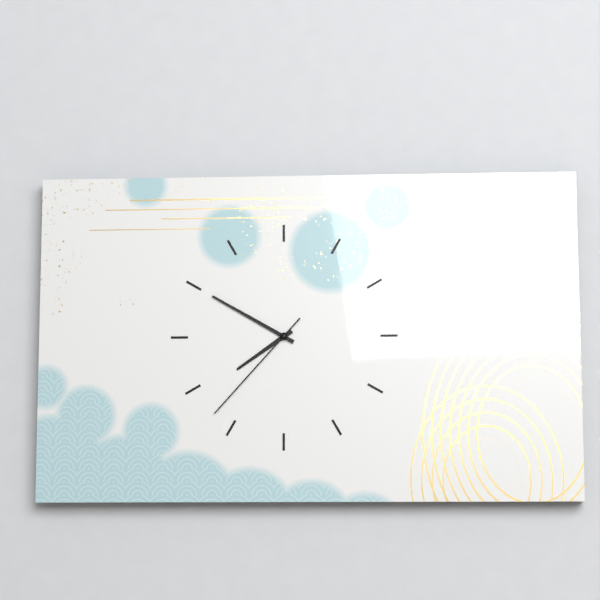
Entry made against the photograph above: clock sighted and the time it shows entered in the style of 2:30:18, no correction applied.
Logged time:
7:50:37
